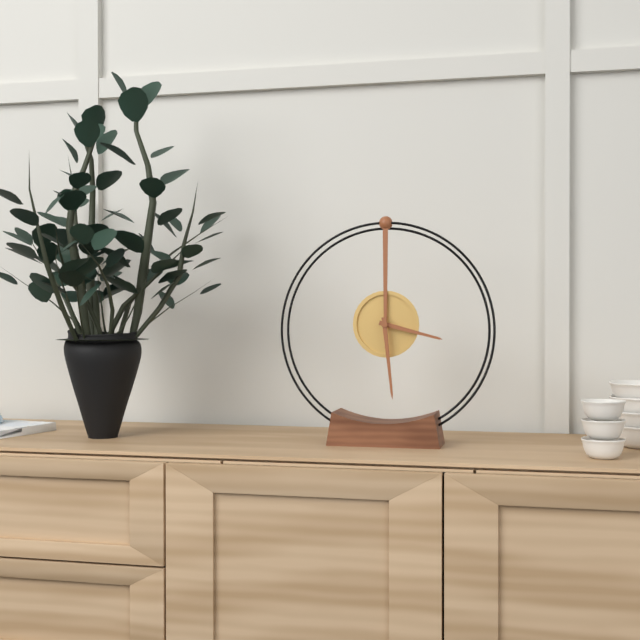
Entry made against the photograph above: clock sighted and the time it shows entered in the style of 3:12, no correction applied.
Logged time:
3:29
